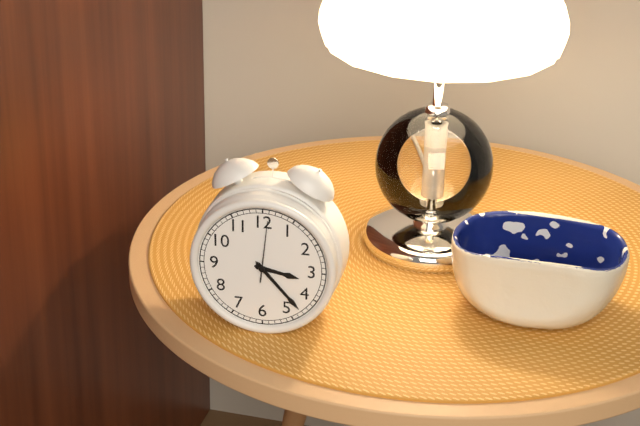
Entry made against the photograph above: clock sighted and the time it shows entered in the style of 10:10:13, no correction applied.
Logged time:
3:23:01
